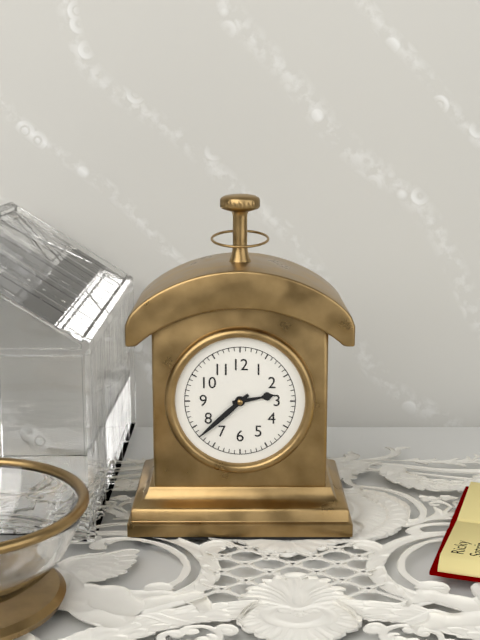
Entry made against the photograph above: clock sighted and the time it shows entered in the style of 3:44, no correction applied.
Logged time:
2:38
